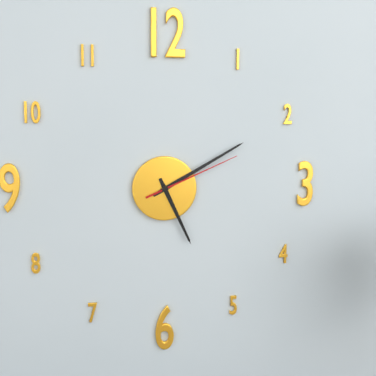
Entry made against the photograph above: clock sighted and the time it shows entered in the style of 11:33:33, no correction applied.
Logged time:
5:10:11
